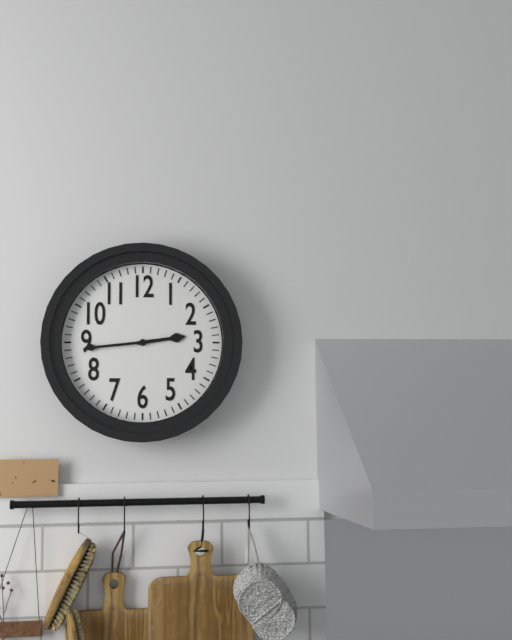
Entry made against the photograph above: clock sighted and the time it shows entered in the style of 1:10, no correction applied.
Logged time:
2:44
